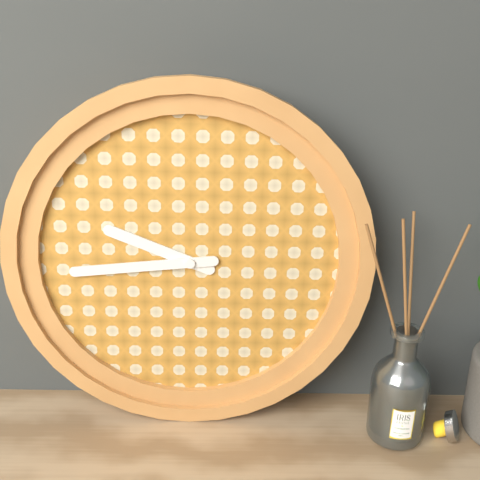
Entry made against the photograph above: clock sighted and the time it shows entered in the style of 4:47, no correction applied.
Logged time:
9:44
